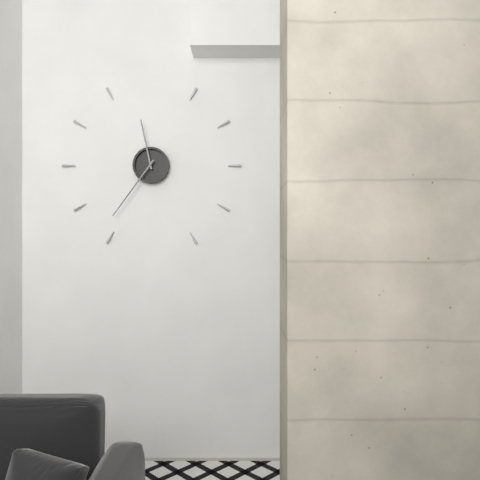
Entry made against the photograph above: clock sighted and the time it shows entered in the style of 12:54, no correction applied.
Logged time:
11:36
